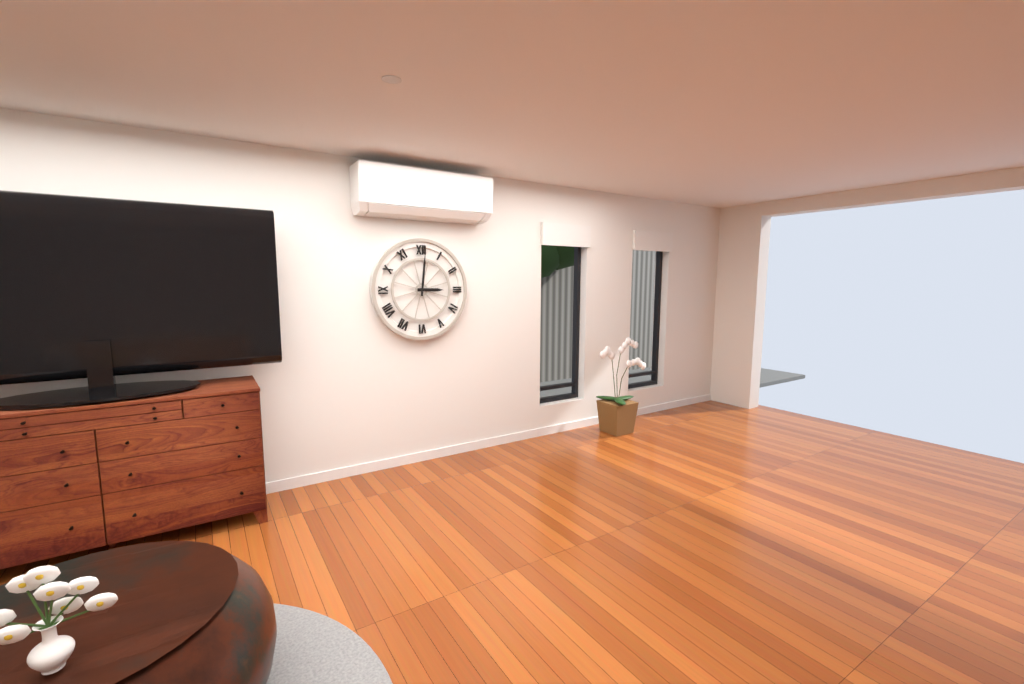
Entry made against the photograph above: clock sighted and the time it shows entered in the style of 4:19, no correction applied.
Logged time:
3:01
